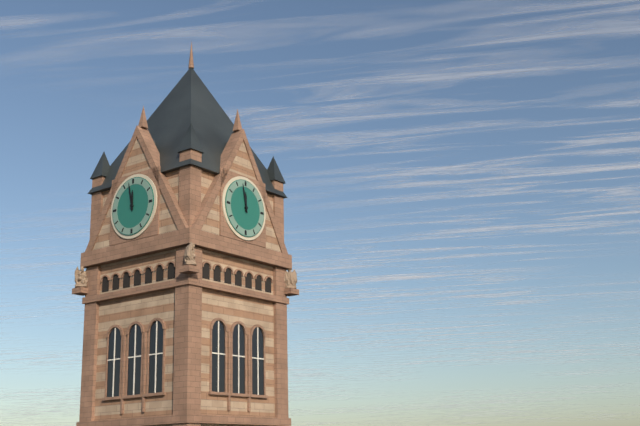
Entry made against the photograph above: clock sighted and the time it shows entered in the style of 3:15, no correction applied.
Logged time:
11:58
